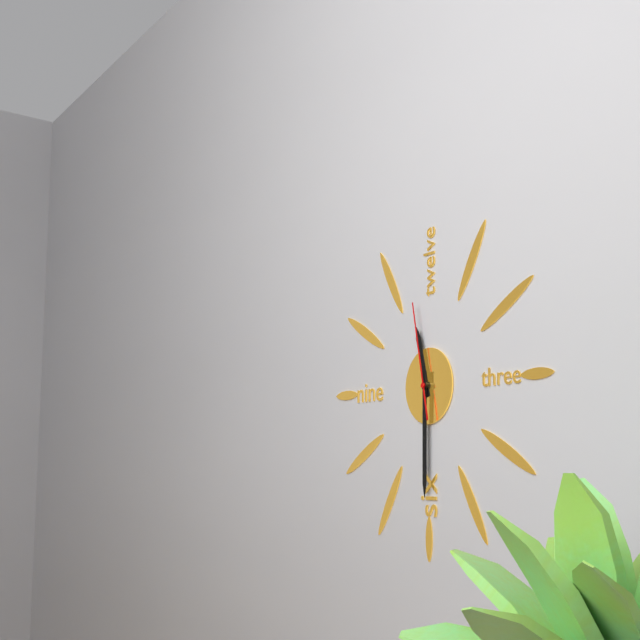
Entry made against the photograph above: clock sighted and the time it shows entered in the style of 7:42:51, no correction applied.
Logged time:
11:30:58
